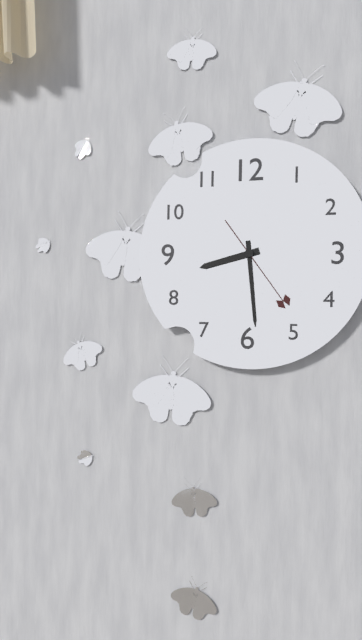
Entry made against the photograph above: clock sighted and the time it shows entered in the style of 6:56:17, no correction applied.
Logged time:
8:29:24
